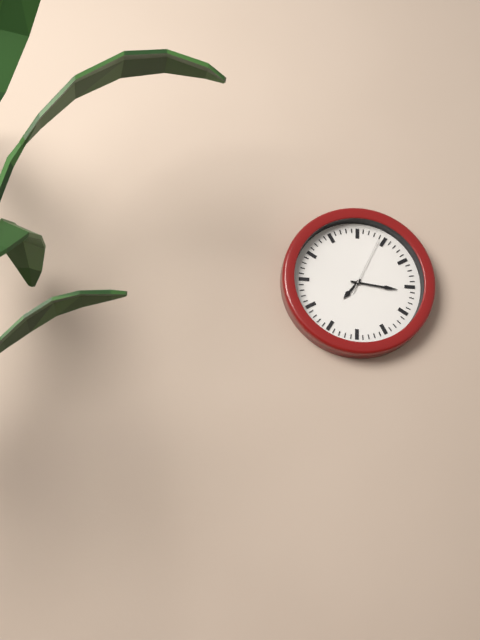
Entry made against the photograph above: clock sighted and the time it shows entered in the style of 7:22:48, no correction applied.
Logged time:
7:16:04
